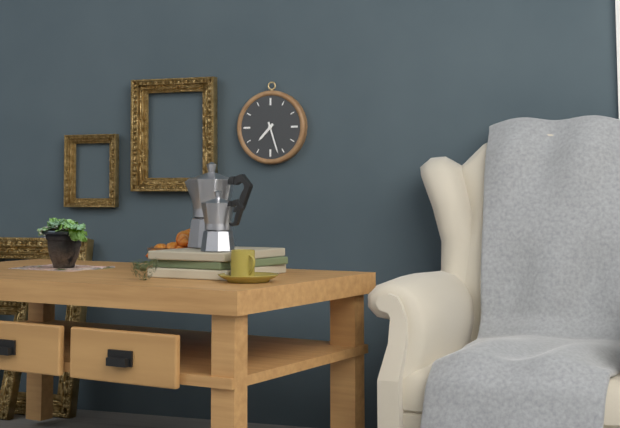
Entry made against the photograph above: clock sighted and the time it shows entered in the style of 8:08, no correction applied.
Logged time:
7:27
